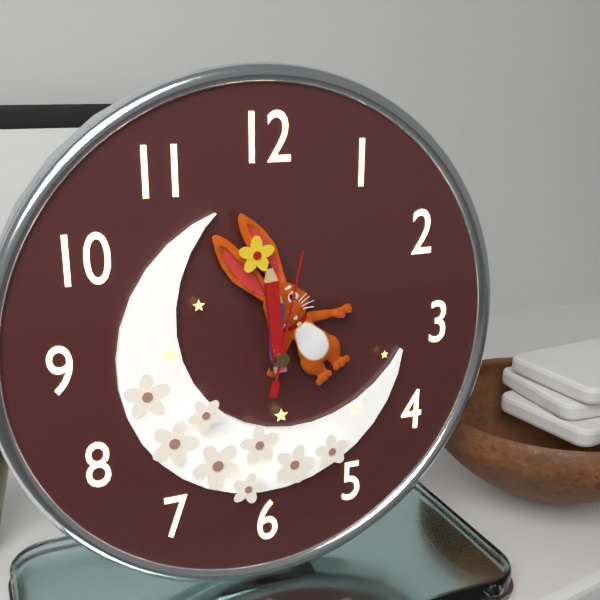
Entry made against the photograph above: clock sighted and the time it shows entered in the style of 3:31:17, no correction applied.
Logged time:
11:59:02
